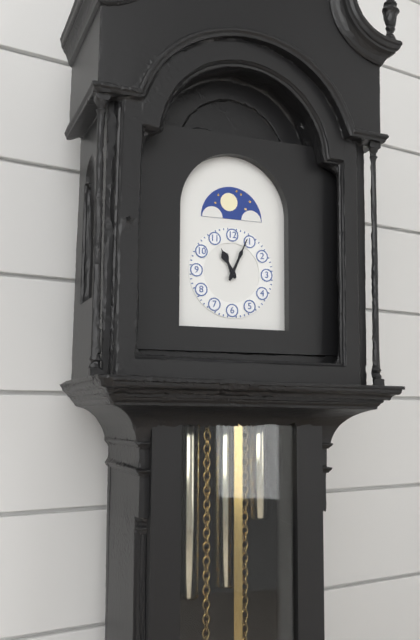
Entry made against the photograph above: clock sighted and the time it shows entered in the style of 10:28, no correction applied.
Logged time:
11:04
